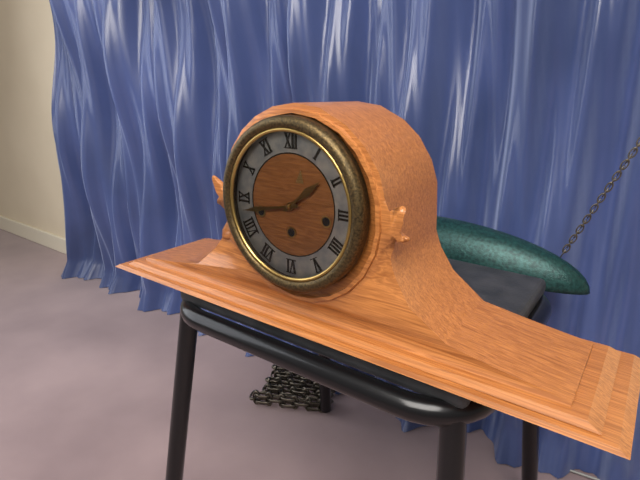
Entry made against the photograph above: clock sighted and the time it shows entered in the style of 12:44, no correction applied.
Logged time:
1:43
